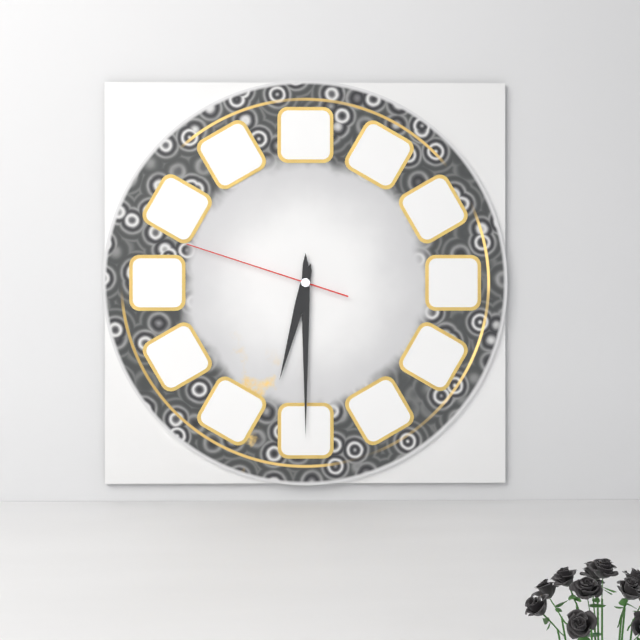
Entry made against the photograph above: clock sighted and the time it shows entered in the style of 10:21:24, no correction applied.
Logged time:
6:30:48
